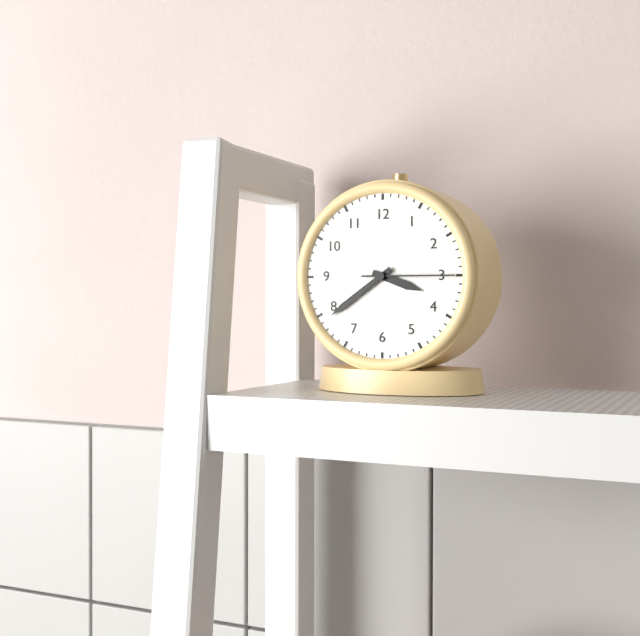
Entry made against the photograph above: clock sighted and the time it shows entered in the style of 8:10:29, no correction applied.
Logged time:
3:39:15
